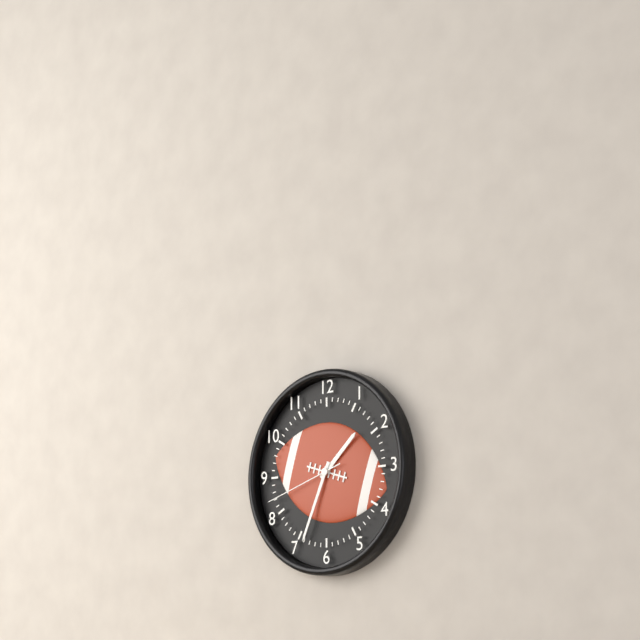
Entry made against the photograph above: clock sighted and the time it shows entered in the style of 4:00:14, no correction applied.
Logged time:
1:34:42
